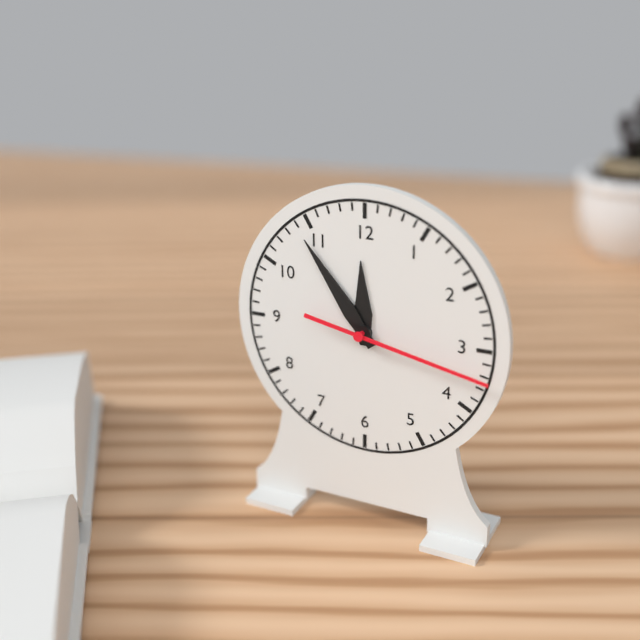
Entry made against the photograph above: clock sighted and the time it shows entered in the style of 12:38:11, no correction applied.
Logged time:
11:54:17
